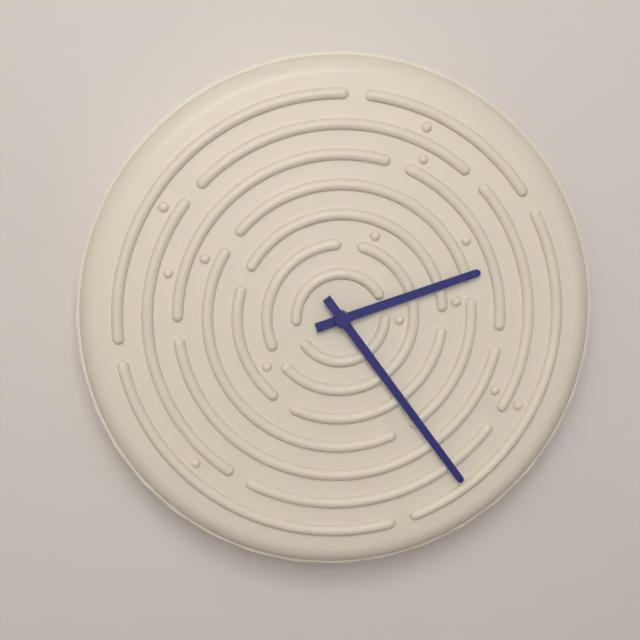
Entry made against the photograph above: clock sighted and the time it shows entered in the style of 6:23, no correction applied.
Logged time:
2:24
